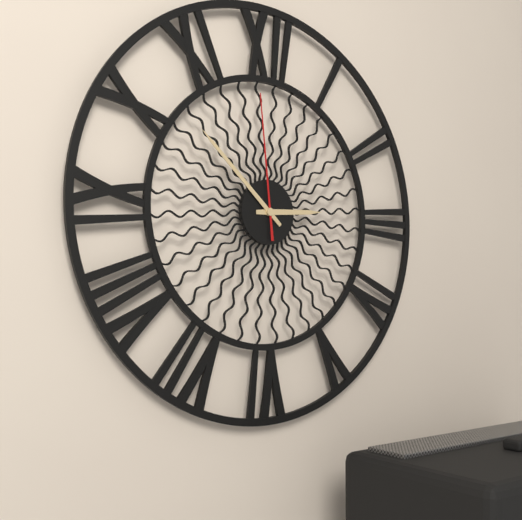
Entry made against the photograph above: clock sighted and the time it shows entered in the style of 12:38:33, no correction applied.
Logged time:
2:52:59
